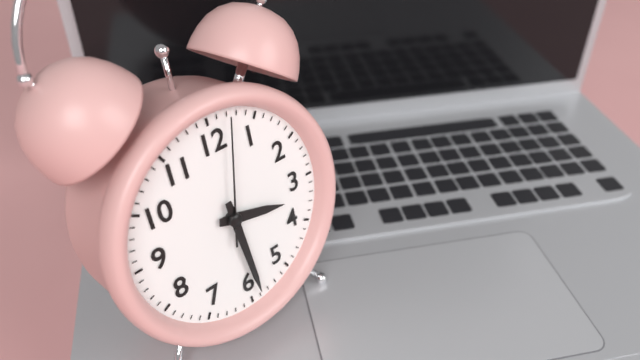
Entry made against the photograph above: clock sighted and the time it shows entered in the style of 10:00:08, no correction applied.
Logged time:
3:29:02
